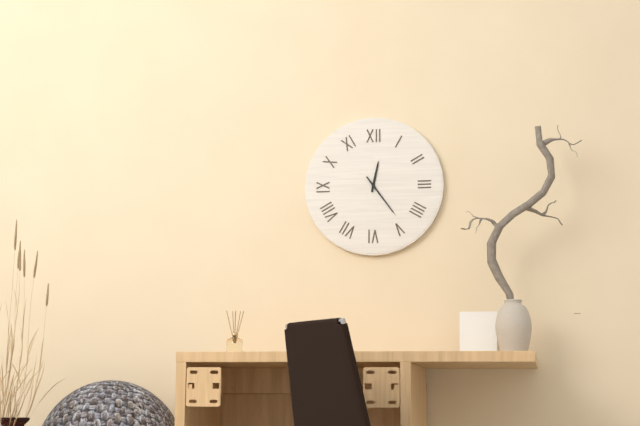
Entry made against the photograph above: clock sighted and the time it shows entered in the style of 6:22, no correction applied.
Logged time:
12:24
